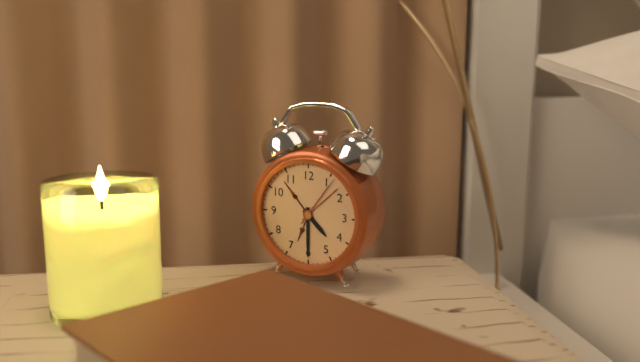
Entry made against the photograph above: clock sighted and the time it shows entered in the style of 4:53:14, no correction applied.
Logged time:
4:30:06
